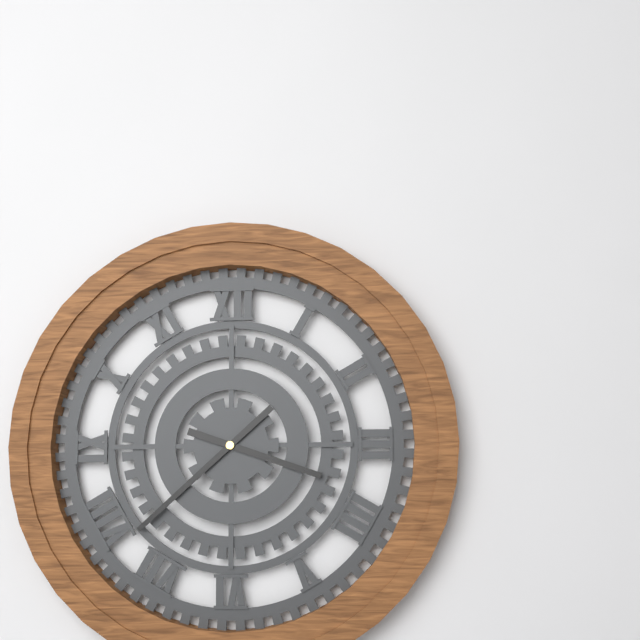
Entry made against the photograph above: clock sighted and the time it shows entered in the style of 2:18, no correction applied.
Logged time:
3:38
